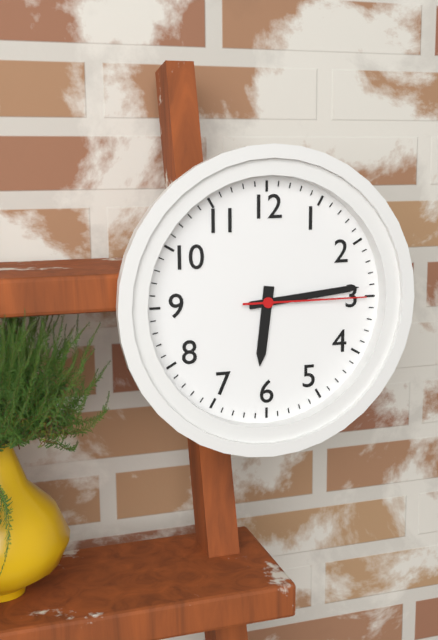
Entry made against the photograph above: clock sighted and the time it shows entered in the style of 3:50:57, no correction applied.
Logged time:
6:14:15
